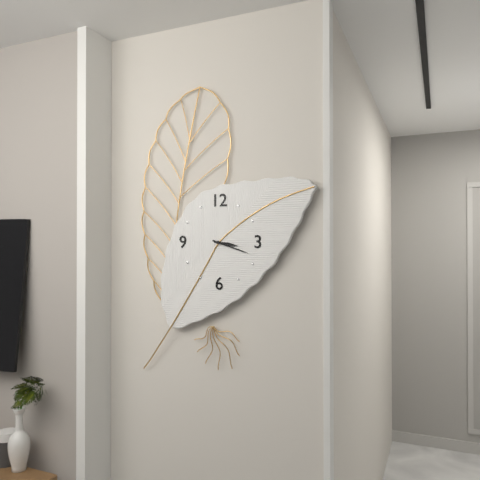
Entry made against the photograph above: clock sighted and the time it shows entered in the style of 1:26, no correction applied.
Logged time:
3:18
